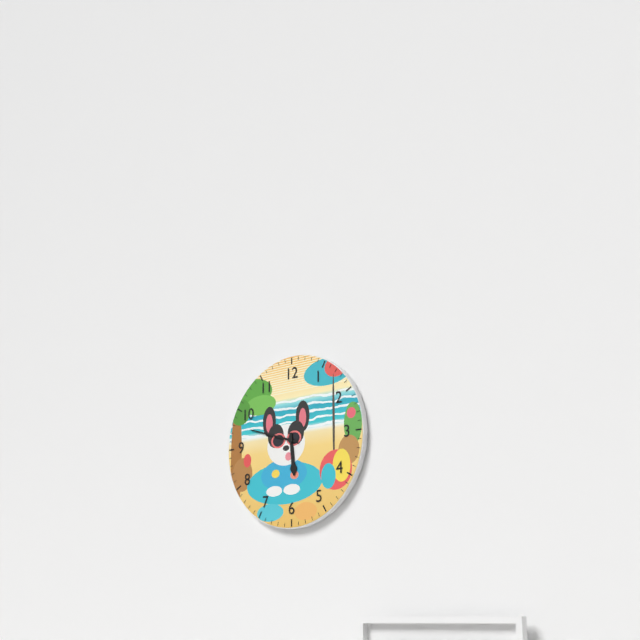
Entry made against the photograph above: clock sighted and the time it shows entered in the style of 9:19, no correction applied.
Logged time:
5:48
